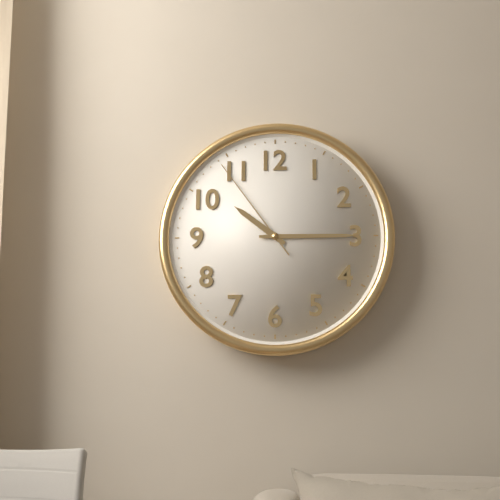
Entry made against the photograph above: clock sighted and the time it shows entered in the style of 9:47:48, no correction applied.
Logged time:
10:15:54
